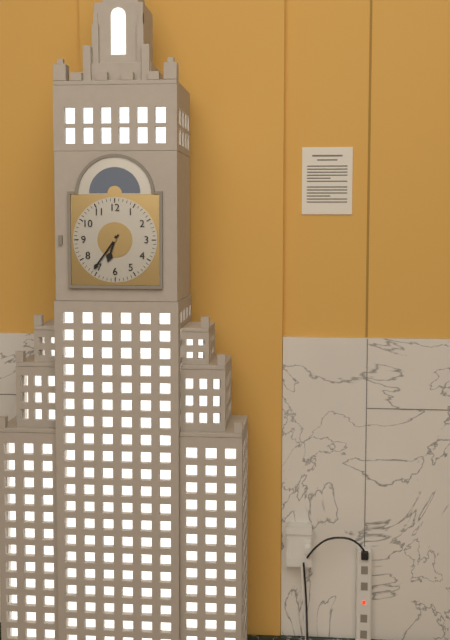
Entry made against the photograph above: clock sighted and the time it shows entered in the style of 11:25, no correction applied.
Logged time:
6:36
